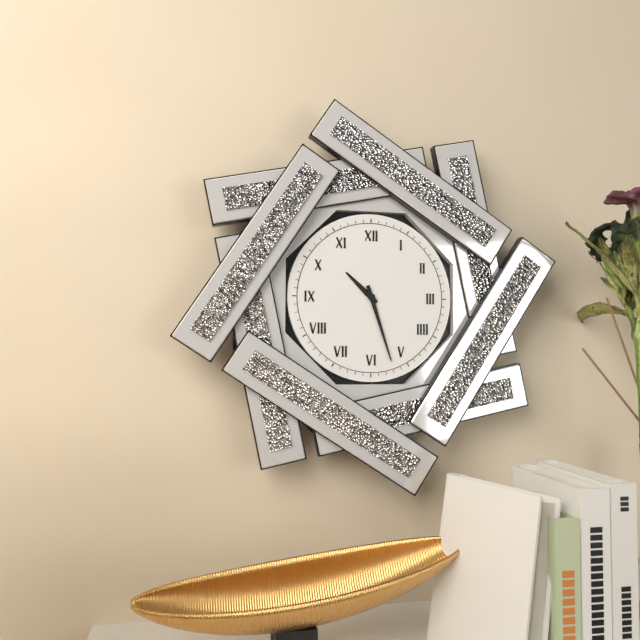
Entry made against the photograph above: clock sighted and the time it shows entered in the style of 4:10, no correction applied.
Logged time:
10:27
